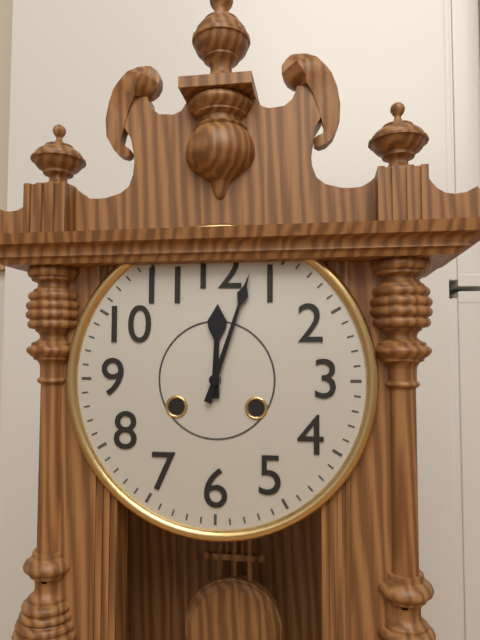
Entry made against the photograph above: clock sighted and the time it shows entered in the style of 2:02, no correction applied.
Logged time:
12:03
